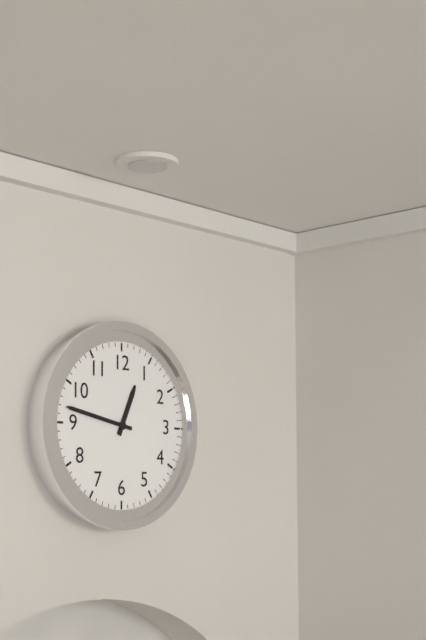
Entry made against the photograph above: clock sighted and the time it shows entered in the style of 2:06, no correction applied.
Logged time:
12:47
